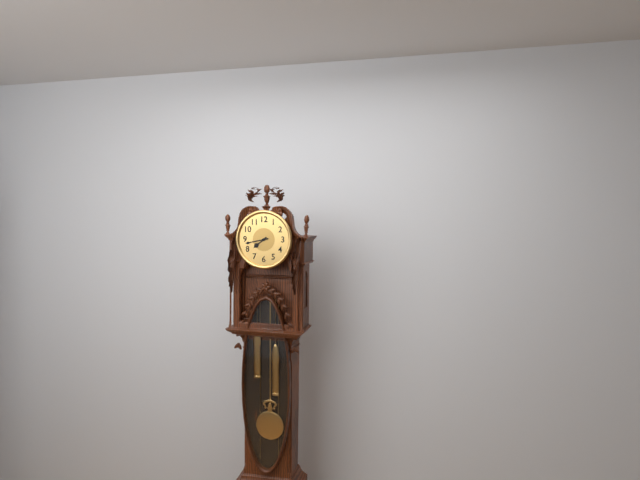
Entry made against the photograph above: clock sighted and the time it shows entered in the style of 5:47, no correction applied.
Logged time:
7:43
